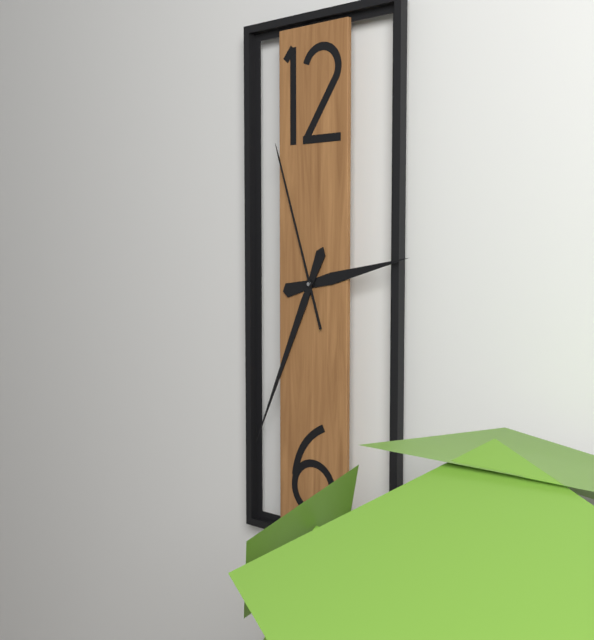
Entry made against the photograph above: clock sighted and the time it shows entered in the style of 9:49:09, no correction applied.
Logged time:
2:34:57
